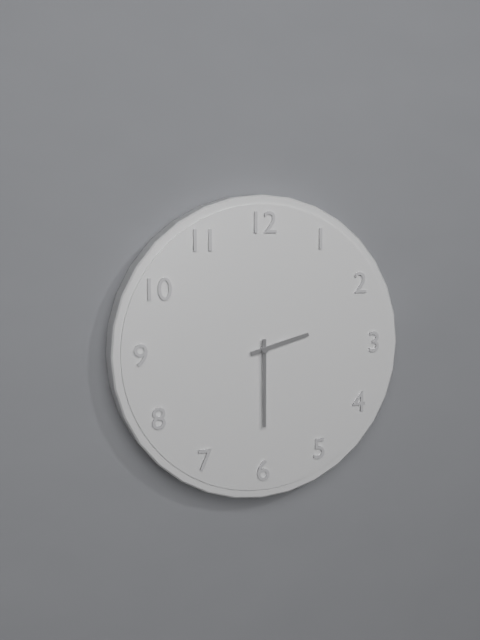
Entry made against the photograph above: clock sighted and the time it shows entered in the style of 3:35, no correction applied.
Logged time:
2:30
